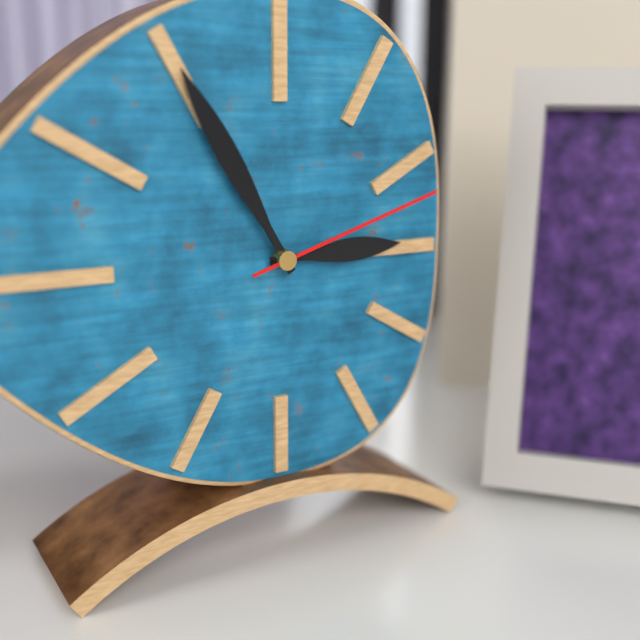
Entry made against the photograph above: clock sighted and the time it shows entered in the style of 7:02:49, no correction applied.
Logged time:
2:55:12
